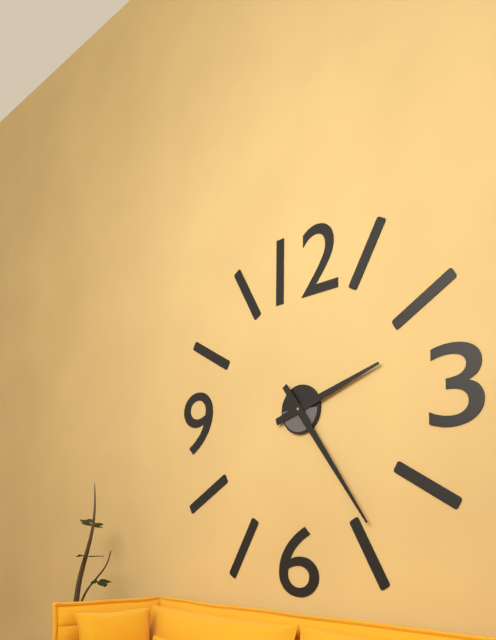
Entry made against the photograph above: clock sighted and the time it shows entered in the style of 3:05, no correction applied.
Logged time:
2:24
